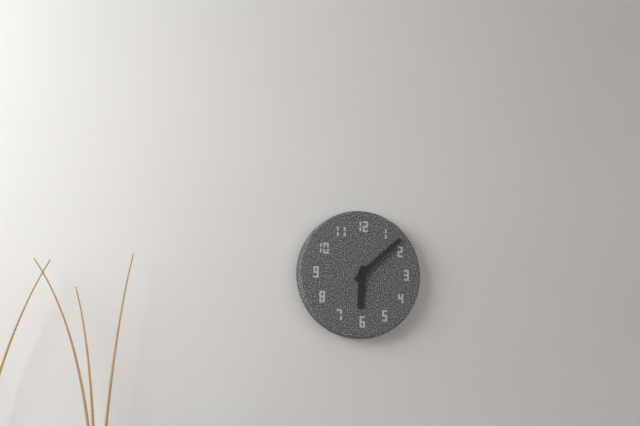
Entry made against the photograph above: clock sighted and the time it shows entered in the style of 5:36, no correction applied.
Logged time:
6:08
